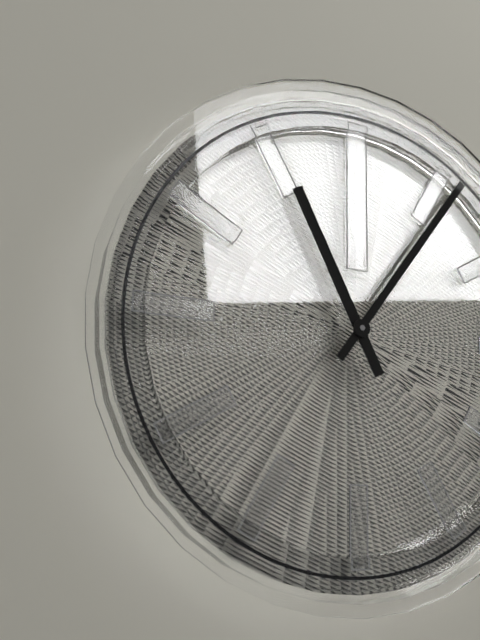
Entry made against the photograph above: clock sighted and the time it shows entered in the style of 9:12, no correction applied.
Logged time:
11:06
